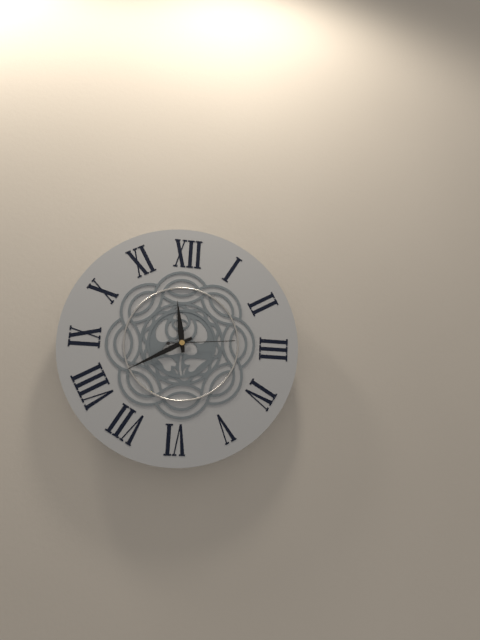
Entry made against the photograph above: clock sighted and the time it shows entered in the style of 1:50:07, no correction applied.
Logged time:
11:40:14
